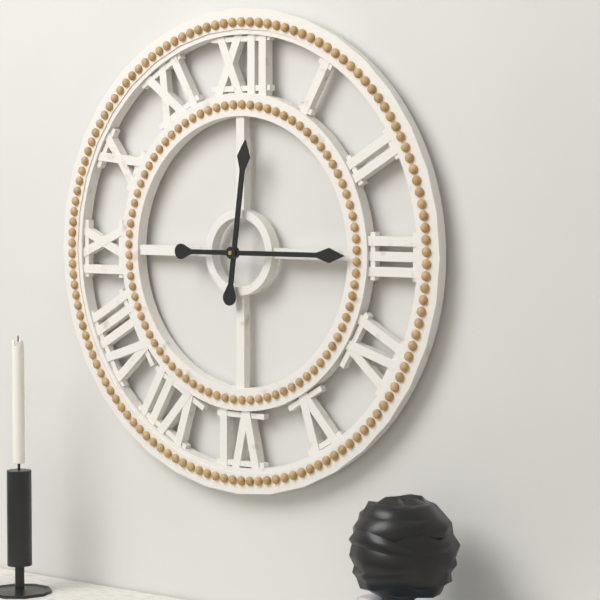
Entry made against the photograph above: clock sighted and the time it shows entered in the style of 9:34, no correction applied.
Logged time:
12:15
